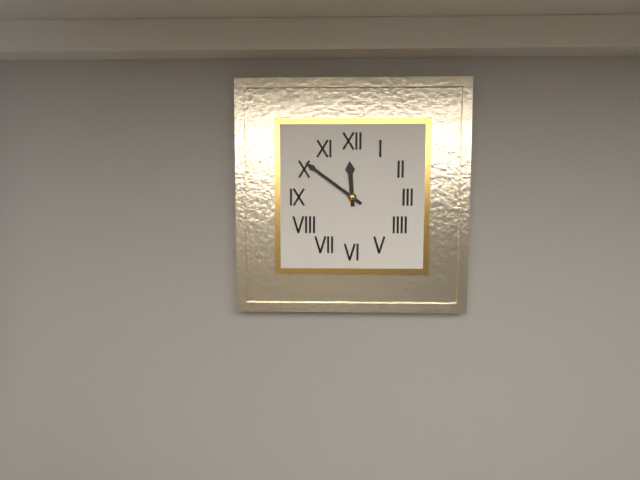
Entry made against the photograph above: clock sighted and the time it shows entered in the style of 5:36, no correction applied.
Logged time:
11:51
